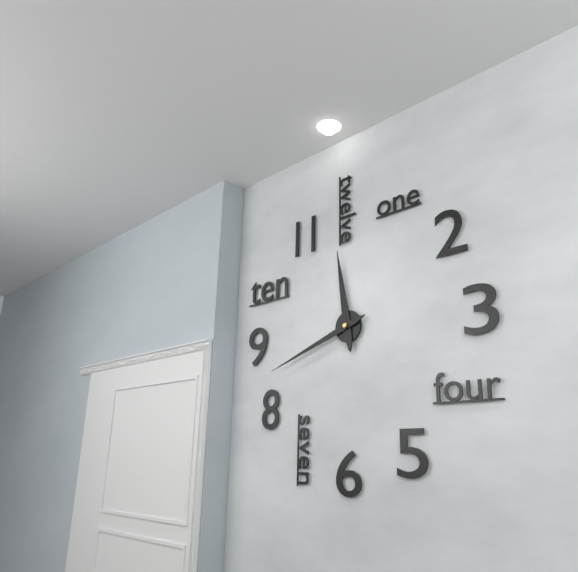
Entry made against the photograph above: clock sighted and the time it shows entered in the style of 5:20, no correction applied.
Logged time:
11:42
